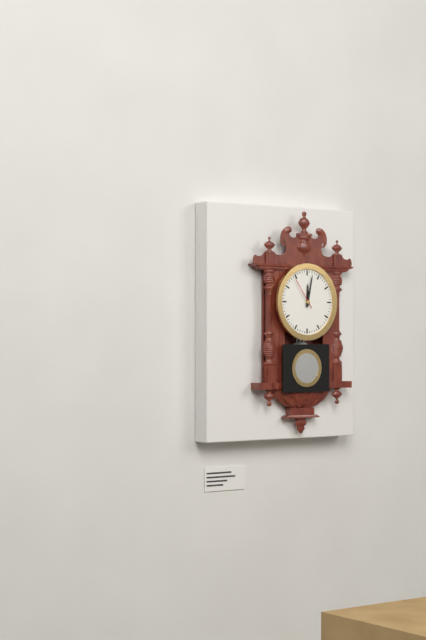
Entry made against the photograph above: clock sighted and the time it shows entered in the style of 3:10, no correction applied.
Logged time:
12:02
